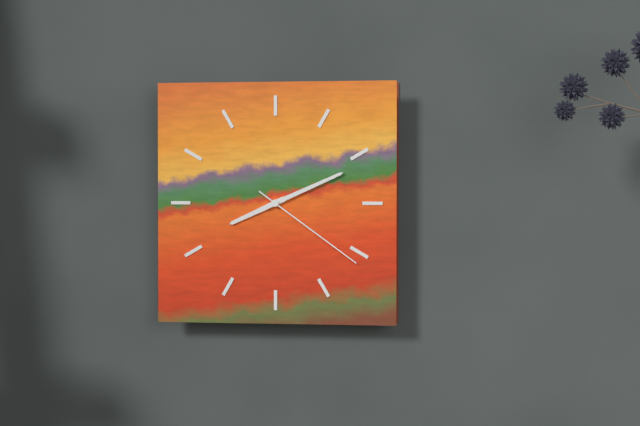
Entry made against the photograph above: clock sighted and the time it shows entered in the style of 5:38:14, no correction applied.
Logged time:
8:11:21
